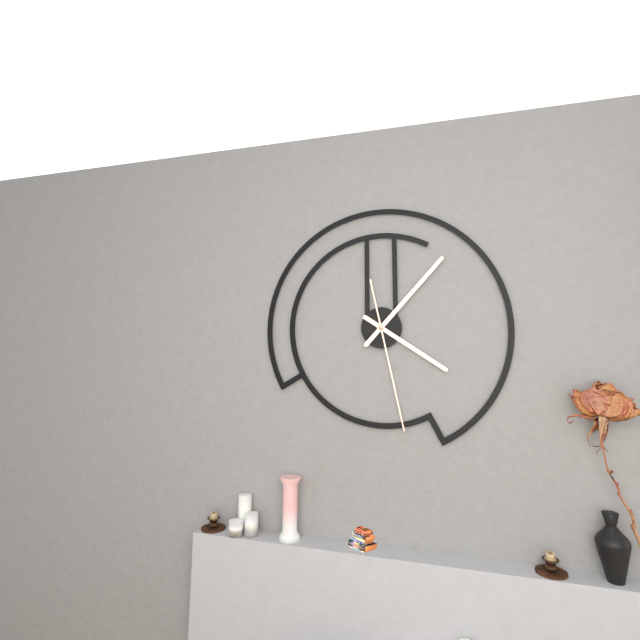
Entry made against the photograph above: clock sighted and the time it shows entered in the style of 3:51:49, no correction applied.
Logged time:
4:07:28
